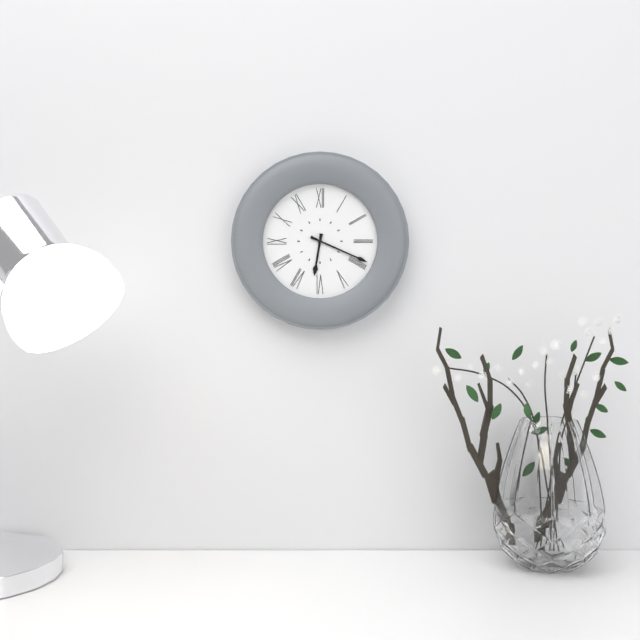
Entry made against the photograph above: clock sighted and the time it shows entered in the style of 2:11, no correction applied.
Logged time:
6:19
